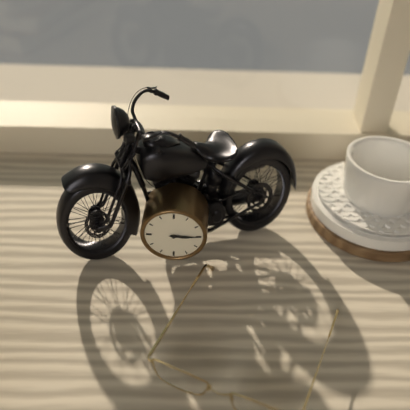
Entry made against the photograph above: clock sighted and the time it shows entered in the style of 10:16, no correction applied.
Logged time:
3:15
